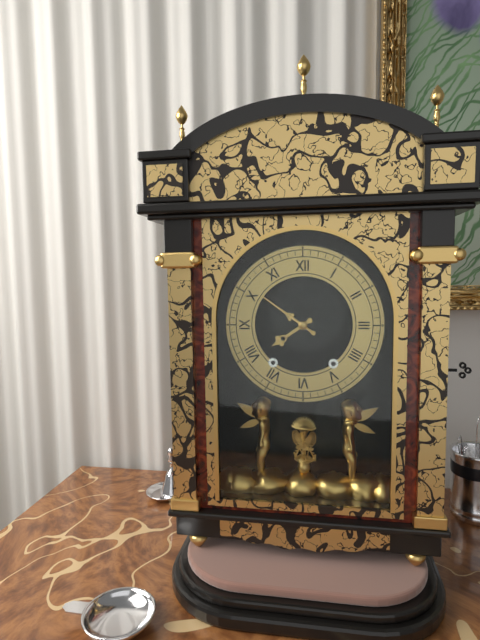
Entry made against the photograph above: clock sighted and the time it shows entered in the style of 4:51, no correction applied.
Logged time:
7:51
